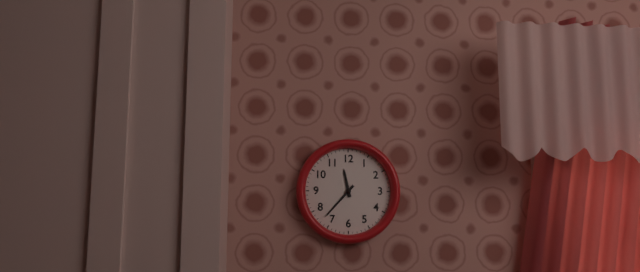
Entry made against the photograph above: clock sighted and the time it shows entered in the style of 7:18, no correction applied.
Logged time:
11:37
